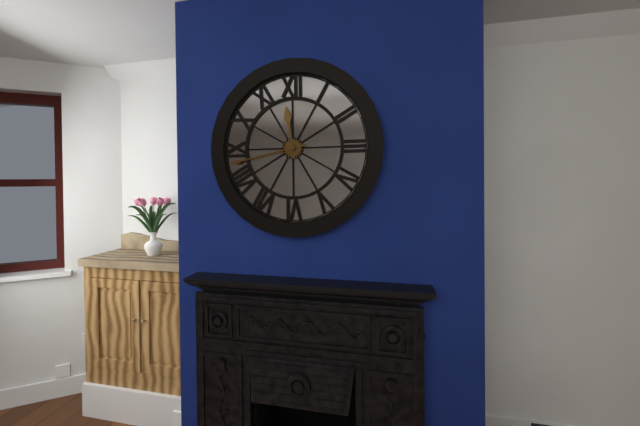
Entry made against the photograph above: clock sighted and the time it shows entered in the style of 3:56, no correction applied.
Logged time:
11:43
